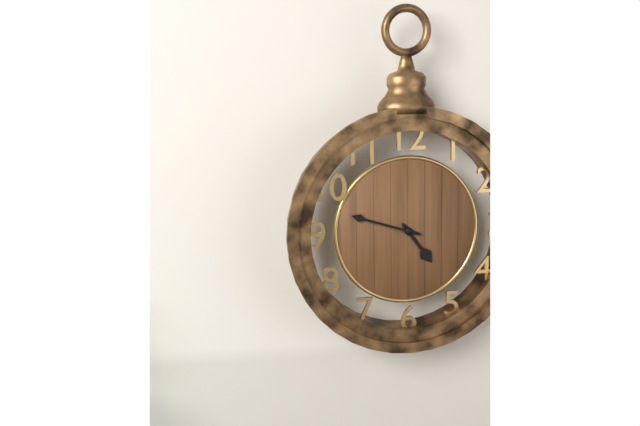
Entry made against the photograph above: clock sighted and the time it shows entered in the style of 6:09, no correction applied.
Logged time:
4:48
